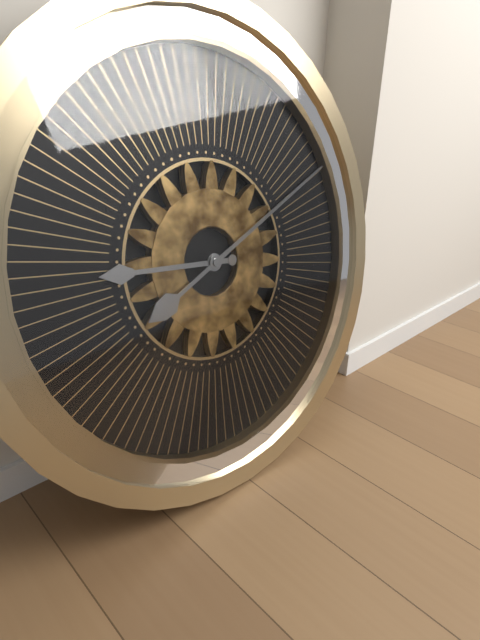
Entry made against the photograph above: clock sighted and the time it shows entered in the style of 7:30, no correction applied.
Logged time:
9:11
